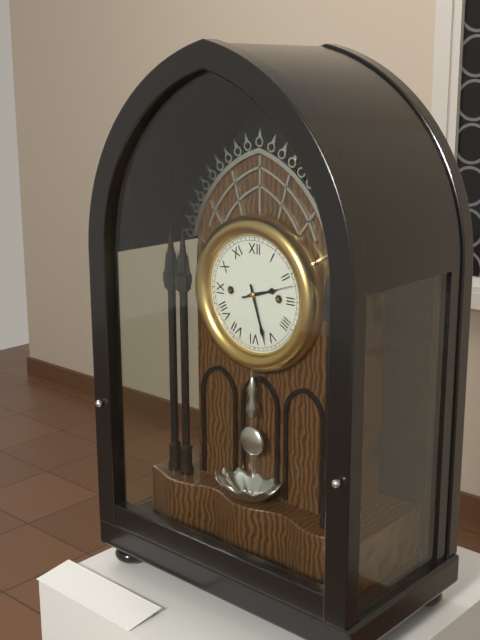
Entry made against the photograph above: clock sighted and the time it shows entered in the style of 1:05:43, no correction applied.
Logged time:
2:27:12
